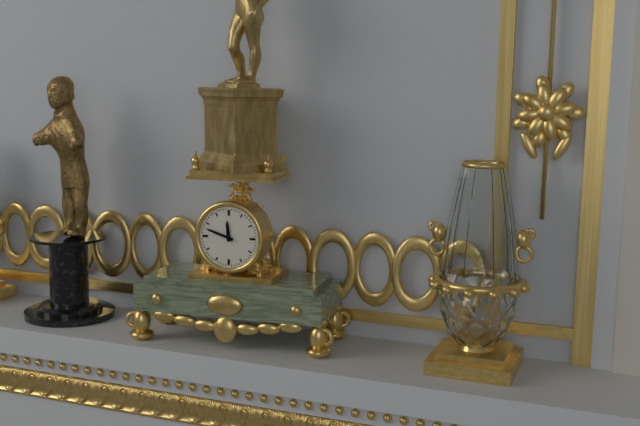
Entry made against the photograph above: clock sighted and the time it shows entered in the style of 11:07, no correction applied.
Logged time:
11:48
